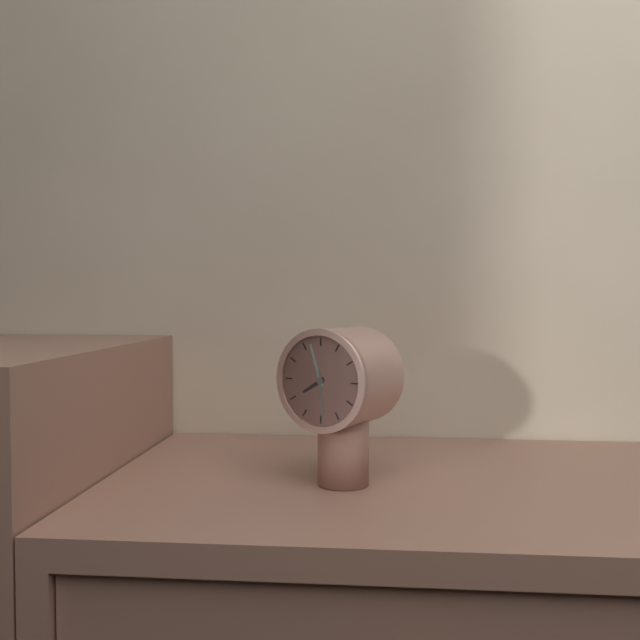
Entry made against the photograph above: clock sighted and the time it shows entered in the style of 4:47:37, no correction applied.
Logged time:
7:57:29
